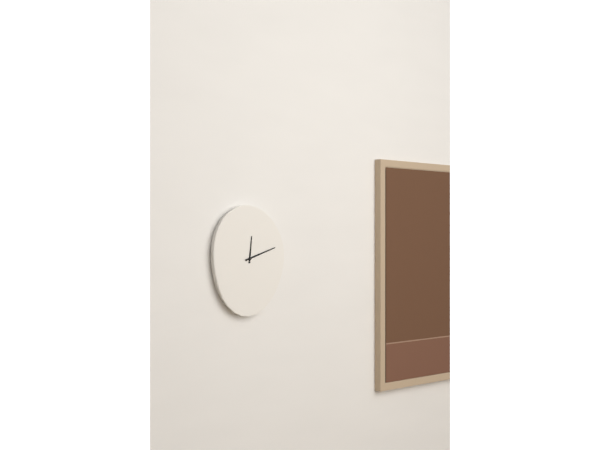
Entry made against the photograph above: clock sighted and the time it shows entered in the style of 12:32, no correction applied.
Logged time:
12:12
